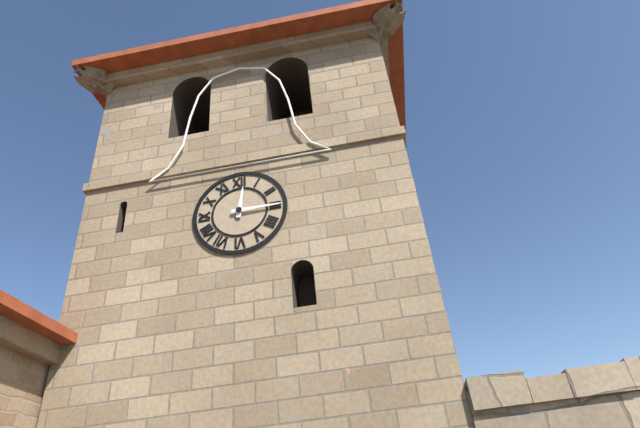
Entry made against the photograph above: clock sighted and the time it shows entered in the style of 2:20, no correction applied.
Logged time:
12:15
